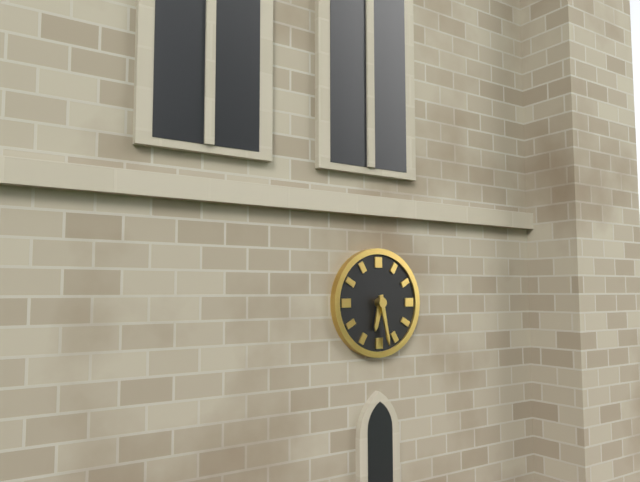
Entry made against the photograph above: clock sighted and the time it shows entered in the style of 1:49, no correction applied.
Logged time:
6:28
